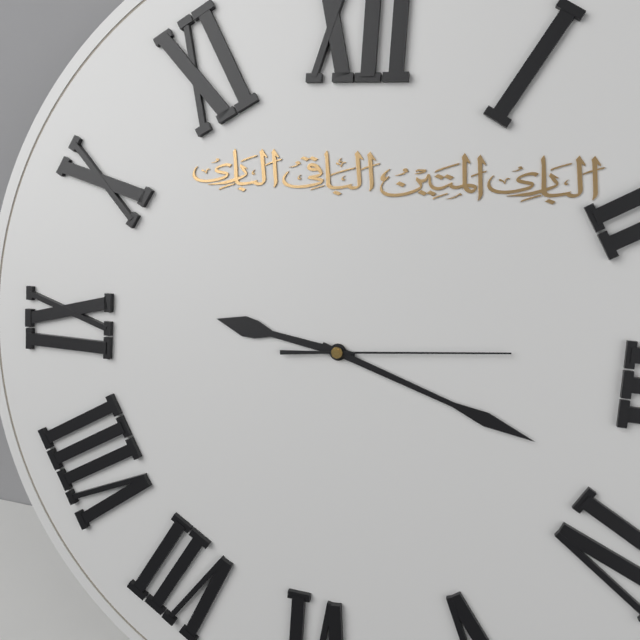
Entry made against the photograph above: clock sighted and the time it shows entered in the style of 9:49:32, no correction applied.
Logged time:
9:18:14
